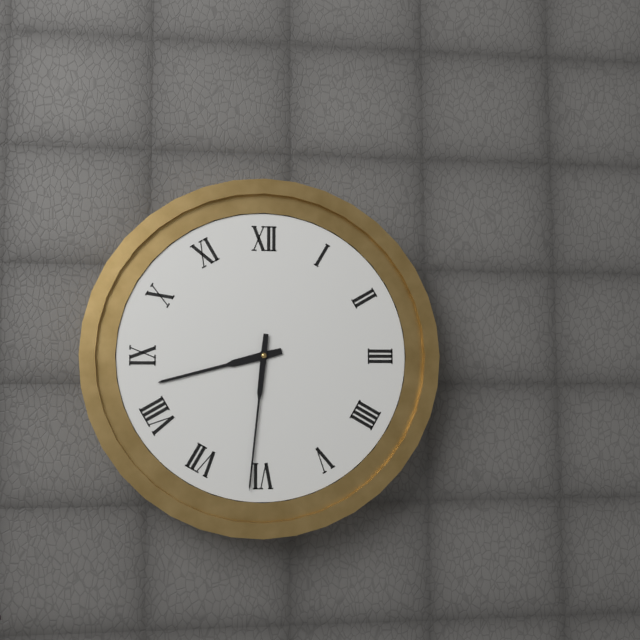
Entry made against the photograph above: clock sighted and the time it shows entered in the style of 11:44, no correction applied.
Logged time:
8:31
